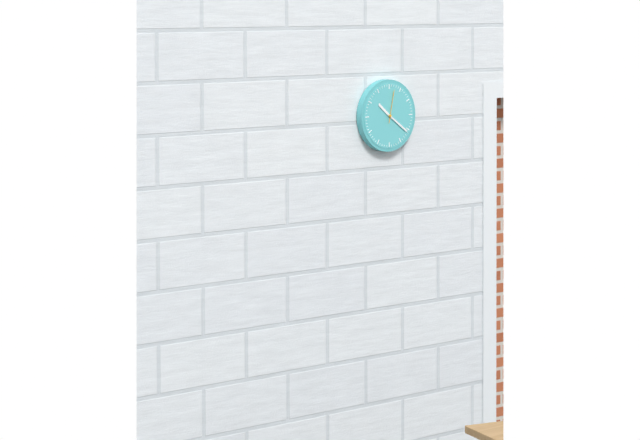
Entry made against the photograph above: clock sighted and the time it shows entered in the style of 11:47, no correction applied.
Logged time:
10:21
